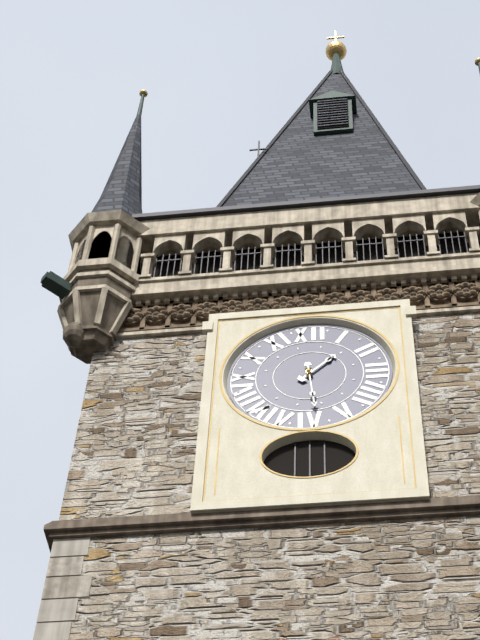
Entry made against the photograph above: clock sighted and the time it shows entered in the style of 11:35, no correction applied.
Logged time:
1:29
